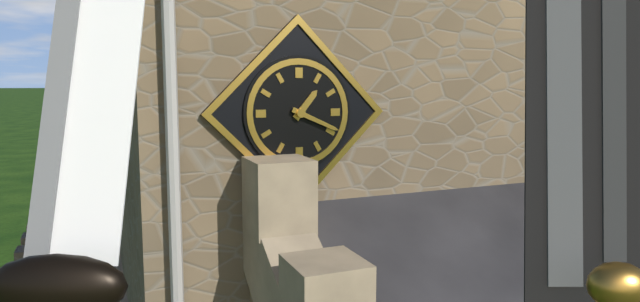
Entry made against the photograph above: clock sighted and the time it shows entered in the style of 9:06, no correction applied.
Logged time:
1:19
